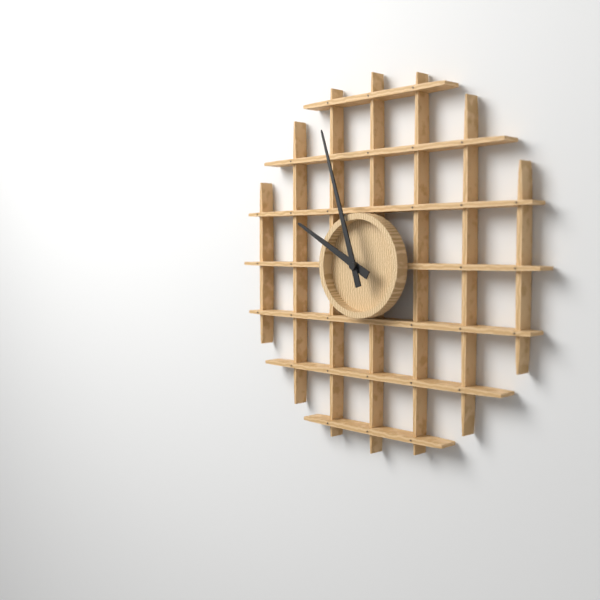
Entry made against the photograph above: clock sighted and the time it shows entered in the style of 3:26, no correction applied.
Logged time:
9:57
